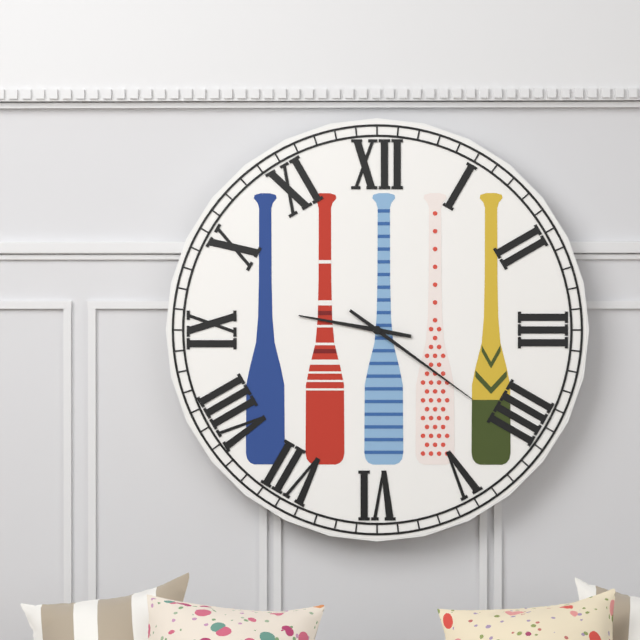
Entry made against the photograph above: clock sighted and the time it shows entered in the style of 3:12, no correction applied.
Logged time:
9:21
